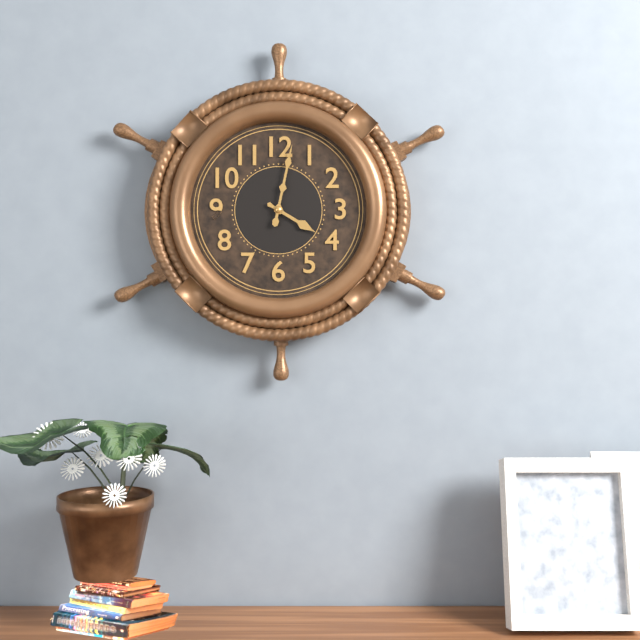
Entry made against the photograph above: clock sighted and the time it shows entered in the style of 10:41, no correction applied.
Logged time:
4:02
